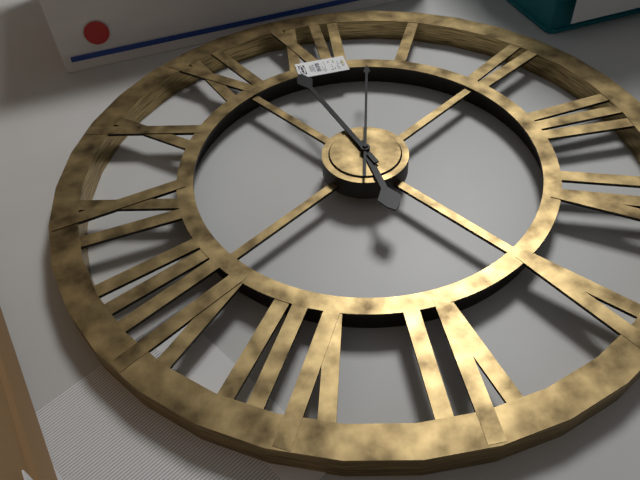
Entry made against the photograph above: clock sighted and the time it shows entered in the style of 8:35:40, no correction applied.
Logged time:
5:58:03
